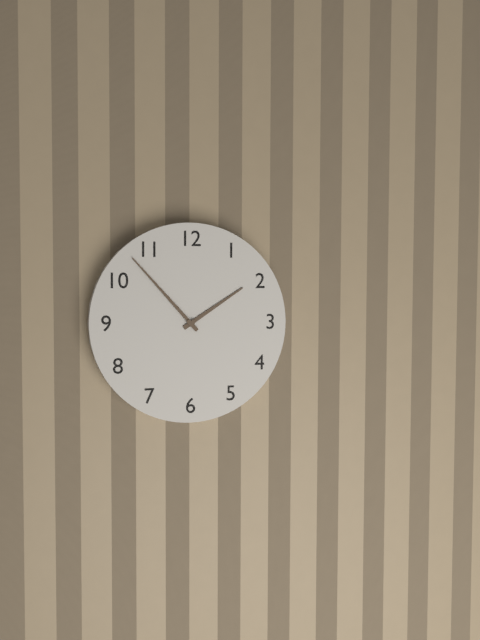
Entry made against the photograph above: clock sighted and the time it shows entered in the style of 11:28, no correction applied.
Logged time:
1:53
